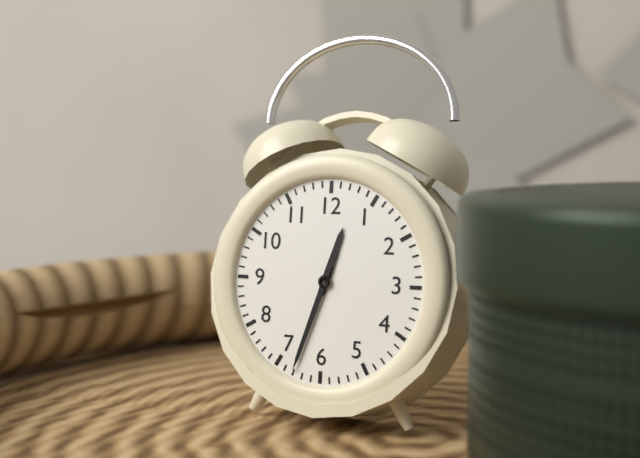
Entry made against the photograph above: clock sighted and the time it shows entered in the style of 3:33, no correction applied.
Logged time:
12:33
